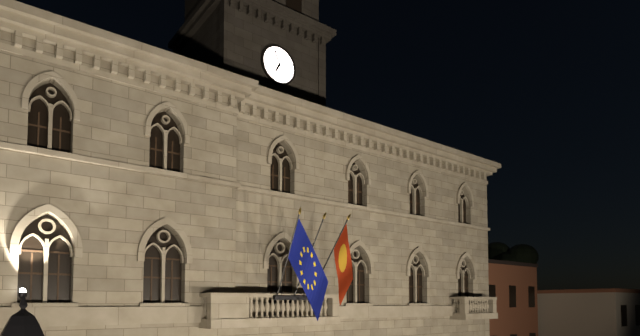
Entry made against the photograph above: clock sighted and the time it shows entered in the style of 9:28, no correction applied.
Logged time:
6:56
